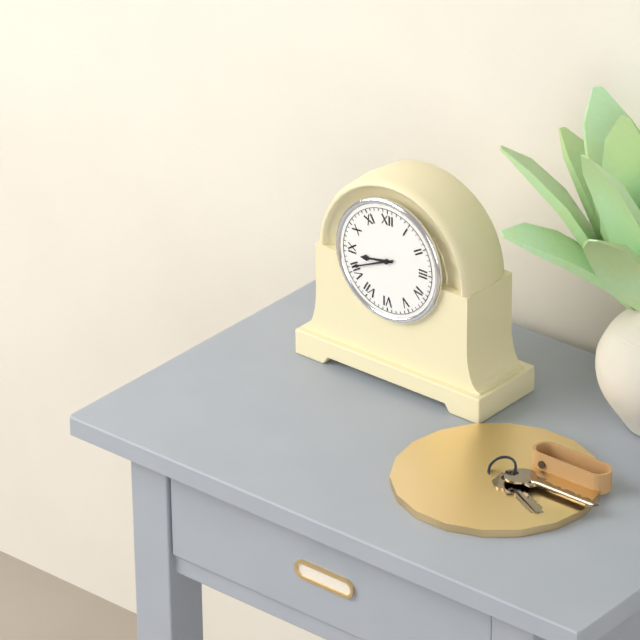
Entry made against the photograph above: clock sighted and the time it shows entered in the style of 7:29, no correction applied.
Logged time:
8:41
